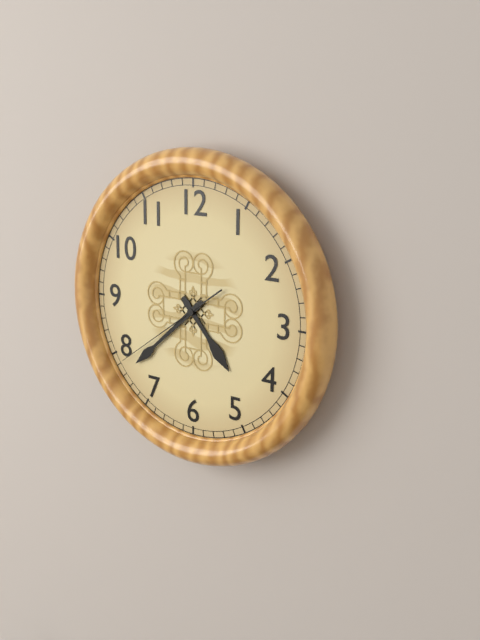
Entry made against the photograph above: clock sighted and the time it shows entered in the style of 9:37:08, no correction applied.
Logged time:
4:38:39
